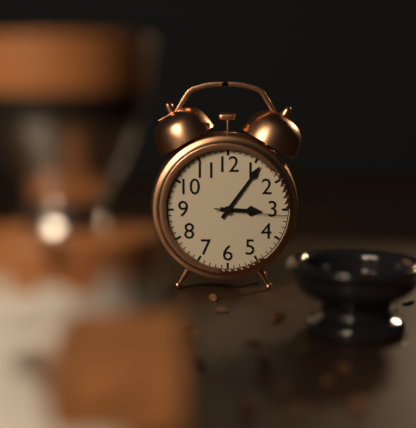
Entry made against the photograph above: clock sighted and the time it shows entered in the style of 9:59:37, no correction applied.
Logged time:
3:06:16
